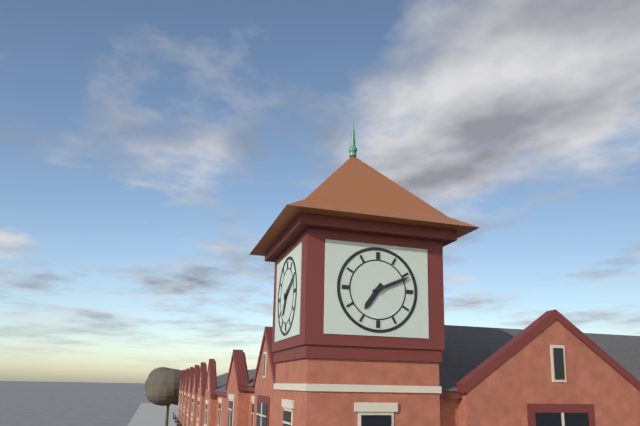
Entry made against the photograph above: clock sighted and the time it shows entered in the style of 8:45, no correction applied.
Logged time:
7:11
